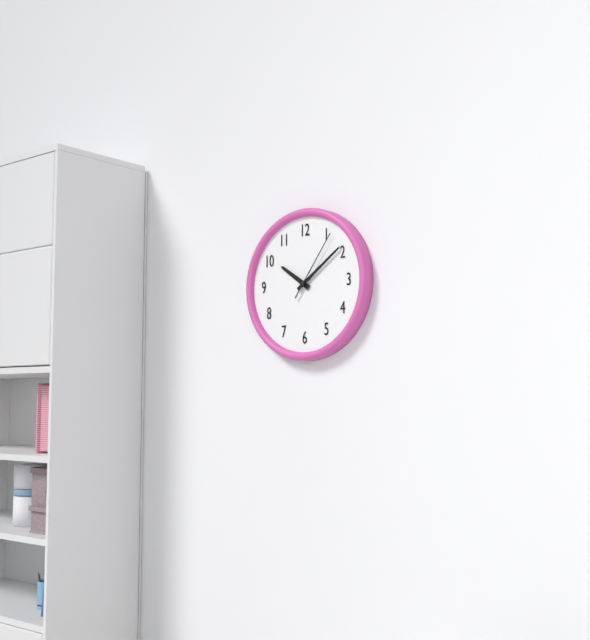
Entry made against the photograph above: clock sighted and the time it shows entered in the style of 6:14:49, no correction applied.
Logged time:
10:09:06
